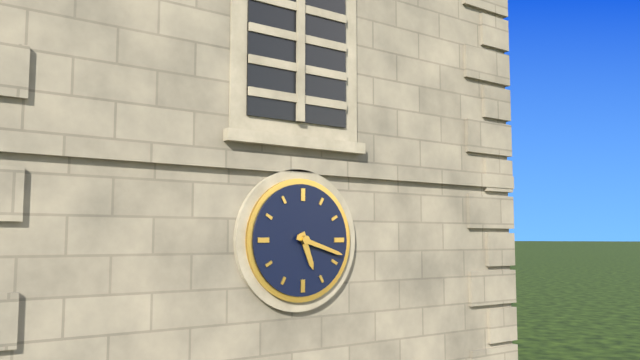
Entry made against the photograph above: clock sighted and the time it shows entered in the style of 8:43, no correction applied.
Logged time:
5:18
